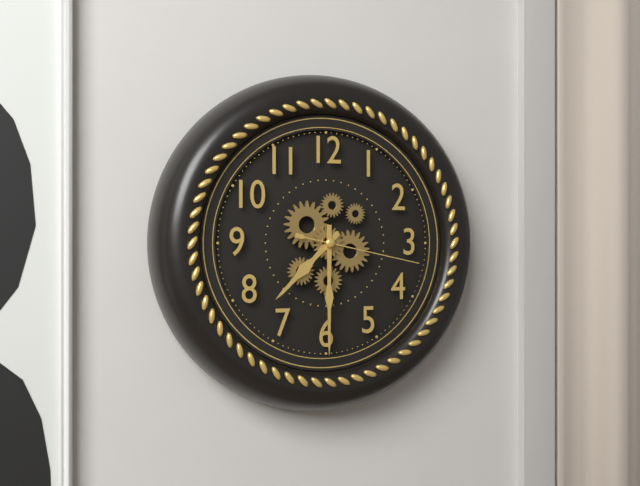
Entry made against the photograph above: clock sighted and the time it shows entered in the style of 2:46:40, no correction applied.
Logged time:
7:30:17
